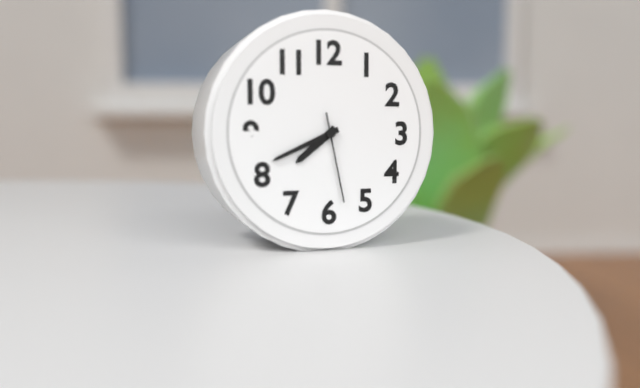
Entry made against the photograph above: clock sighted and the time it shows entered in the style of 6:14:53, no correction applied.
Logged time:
7:41:28
